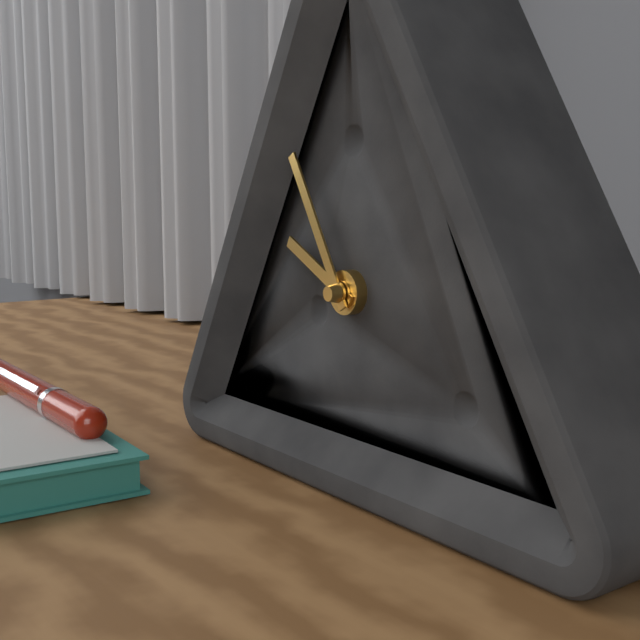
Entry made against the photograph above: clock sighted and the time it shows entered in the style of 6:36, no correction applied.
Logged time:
9:55
